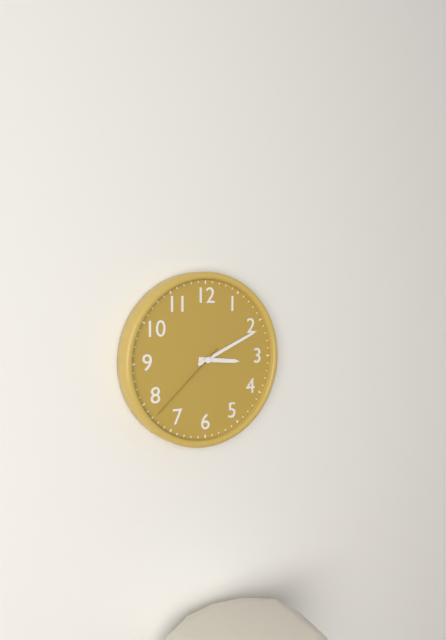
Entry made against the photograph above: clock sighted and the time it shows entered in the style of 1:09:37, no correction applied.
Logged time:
3:11:38
